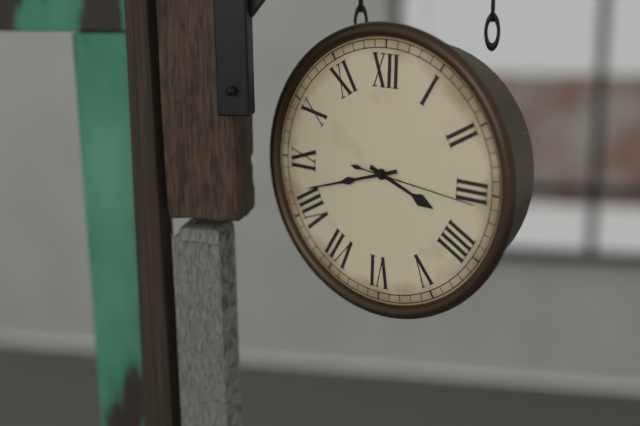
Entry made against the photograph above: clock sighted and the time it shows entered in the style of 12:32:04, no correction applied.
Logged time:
3:42:16
